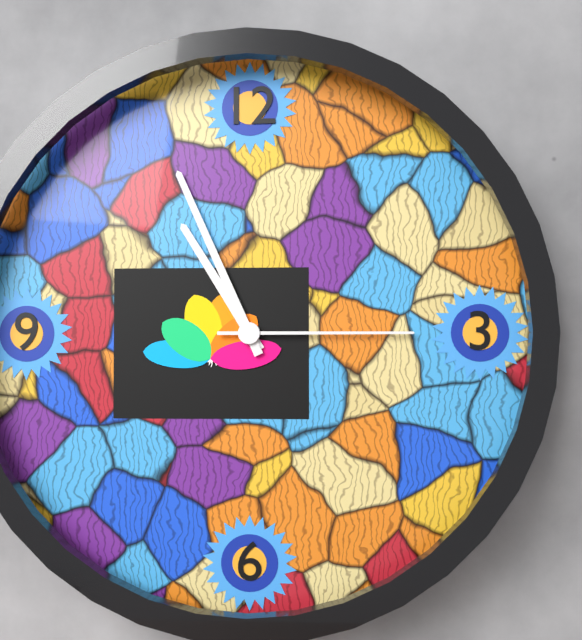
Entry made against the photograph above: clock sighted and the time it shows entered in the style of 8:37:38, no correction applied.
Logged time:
10:56:15
